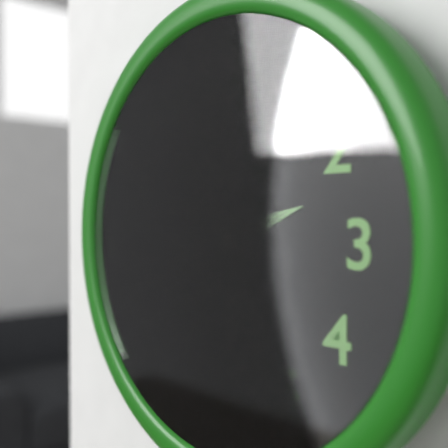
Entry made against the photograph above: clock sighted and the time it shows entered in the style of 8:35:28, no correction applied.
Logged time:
2:26:41
